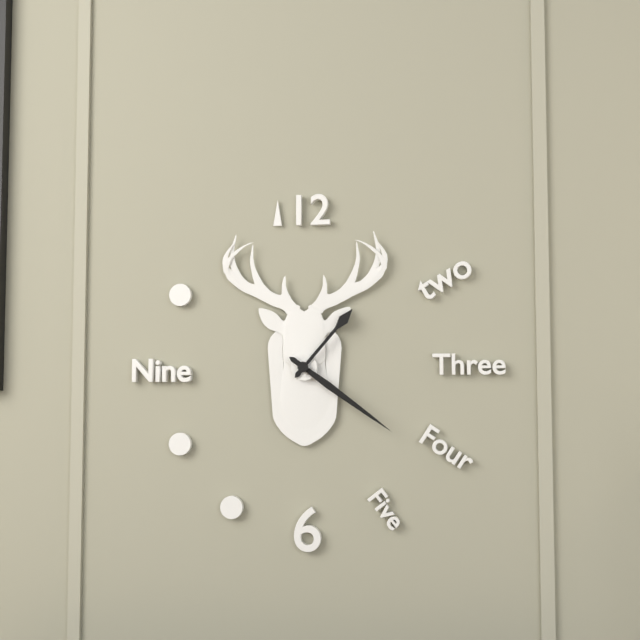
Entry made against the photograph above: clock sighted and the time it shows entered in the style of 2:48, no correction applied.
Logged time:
1:21
